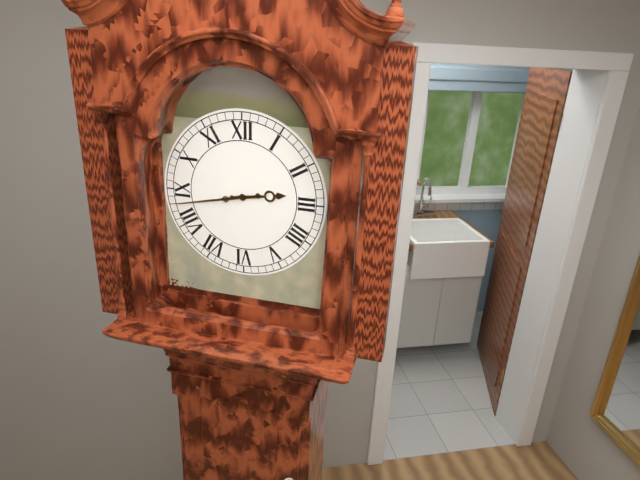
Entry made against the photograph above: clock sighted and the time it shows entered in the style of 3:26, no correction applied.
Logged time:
2:43
